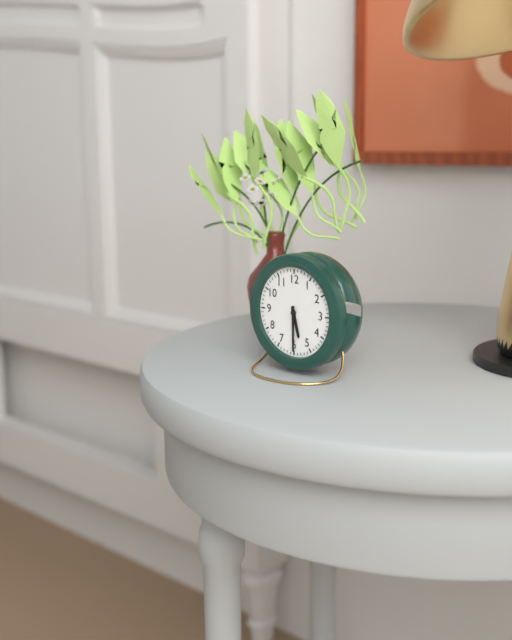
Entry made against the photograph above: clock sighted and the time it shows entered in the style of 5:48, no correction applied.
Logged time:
5:30
